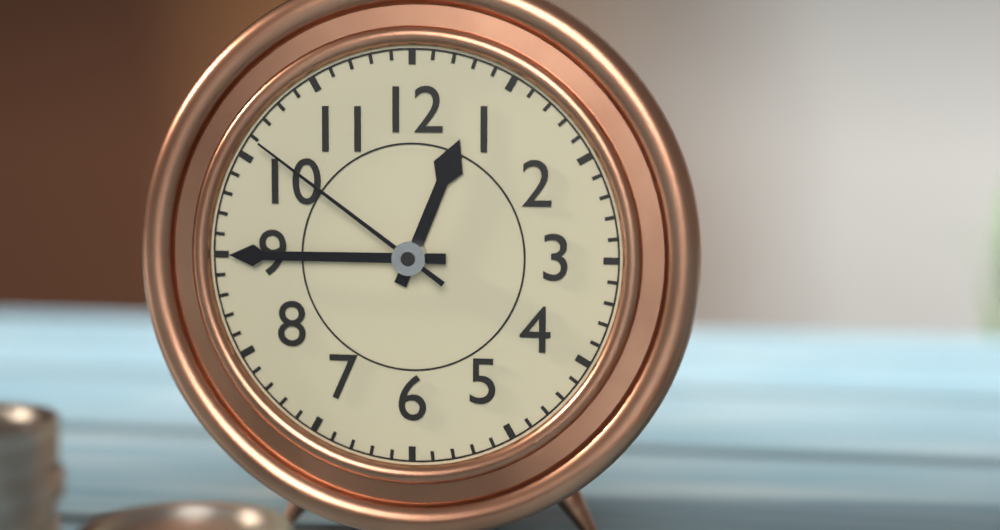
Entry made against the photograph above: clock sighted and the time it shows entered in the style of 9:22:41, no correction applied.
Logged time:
12:45:51
